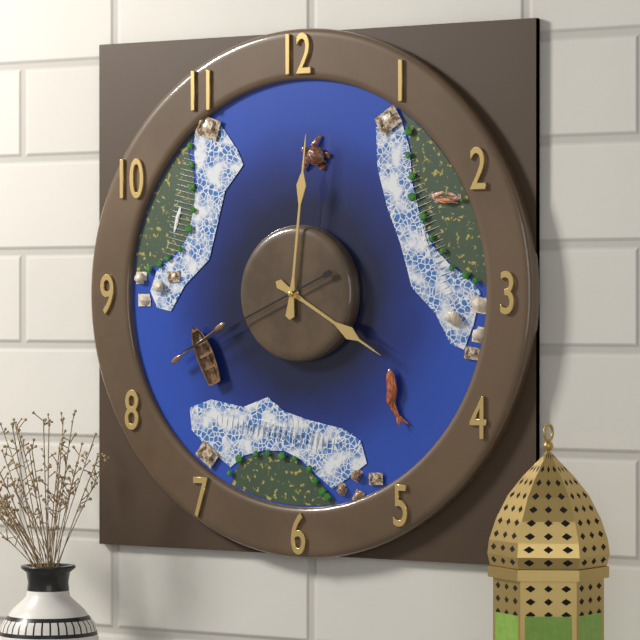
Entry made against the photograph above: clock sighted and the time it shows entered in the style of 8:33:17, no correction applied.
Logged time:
4:01:41
